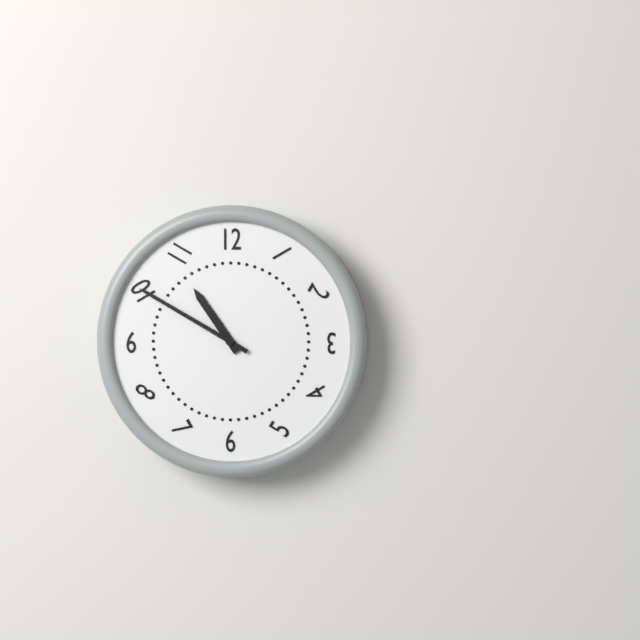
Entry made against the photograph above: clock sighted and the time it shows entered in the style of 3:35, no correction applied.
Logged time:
10:50
